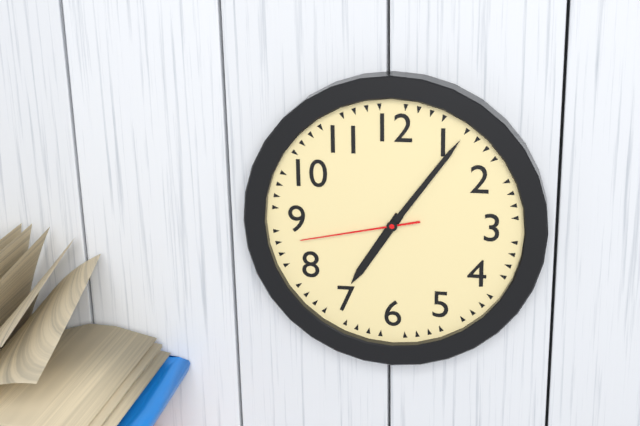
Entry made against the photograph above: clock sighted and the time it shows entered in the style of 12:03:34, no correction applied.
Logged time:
7:06:43
